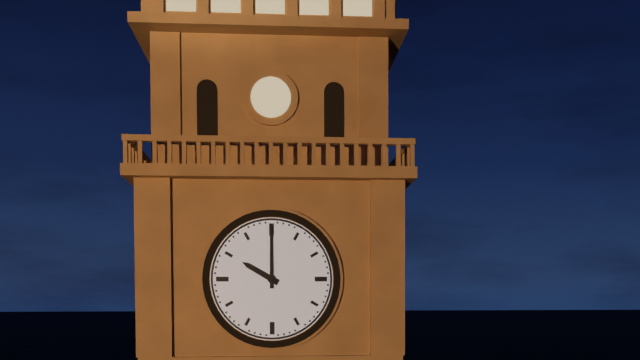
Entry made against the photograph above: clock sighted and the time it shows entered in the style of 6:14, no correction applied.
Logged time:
10:00
